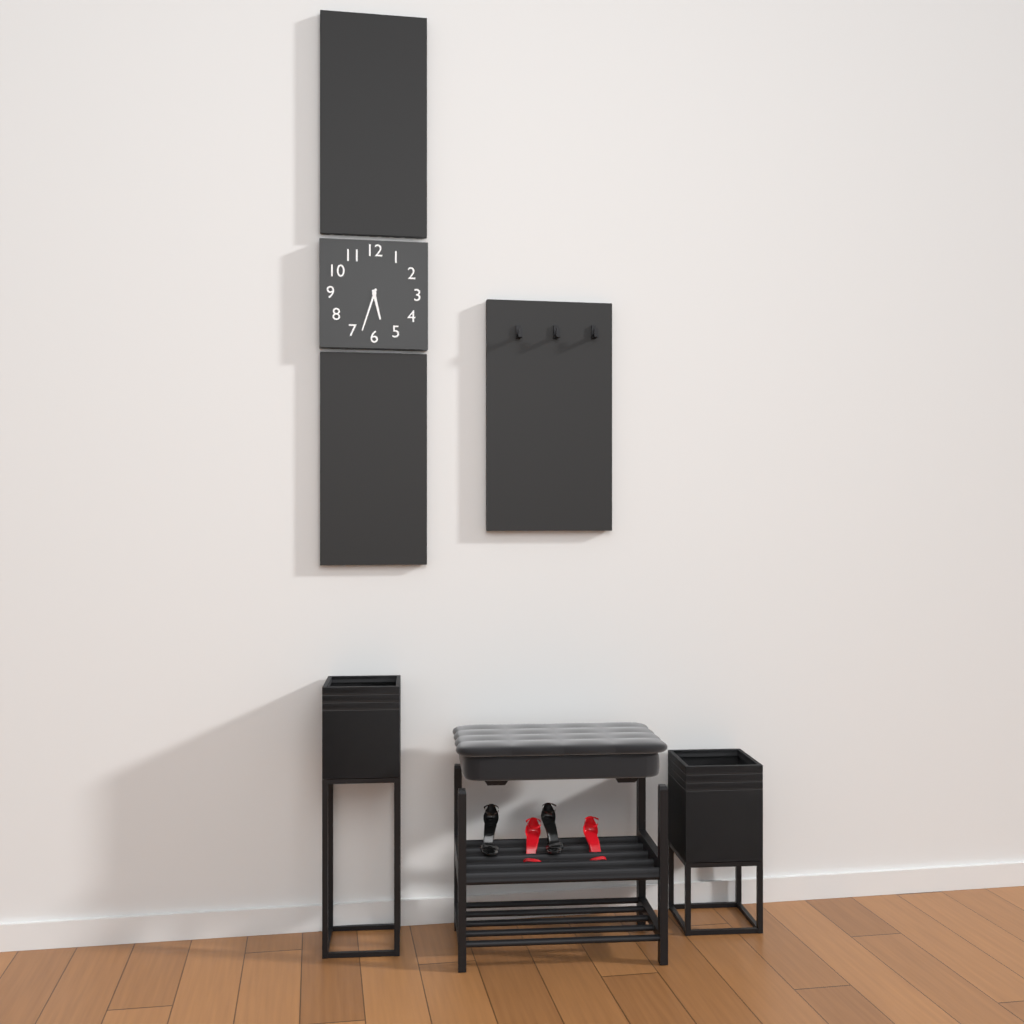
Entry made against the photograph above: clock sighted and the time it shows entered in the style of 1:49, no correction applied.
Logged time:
5:33
